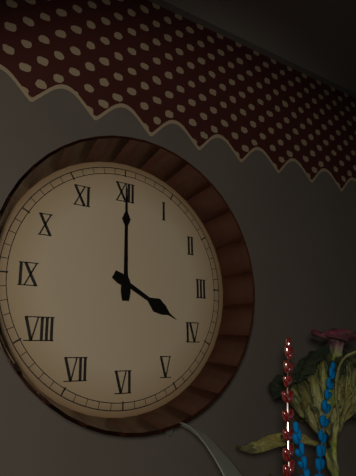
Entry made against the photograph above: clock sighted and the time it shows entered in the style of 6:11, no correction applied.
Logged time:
4:00
